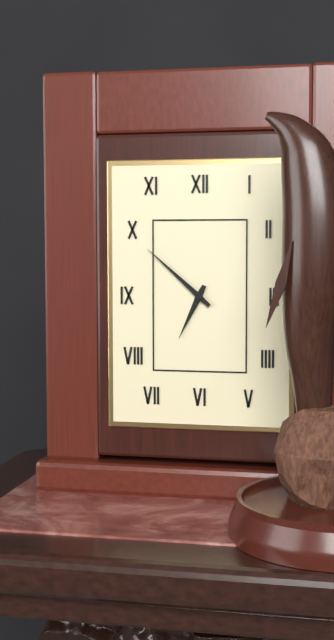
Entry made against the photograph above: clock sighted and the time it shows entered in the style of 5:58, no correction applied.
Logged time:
6:52
